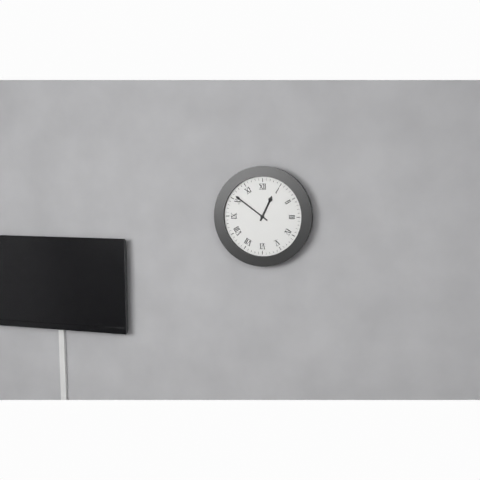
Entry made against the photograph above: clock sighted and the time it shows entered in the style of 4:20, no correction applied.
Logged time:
12:51
